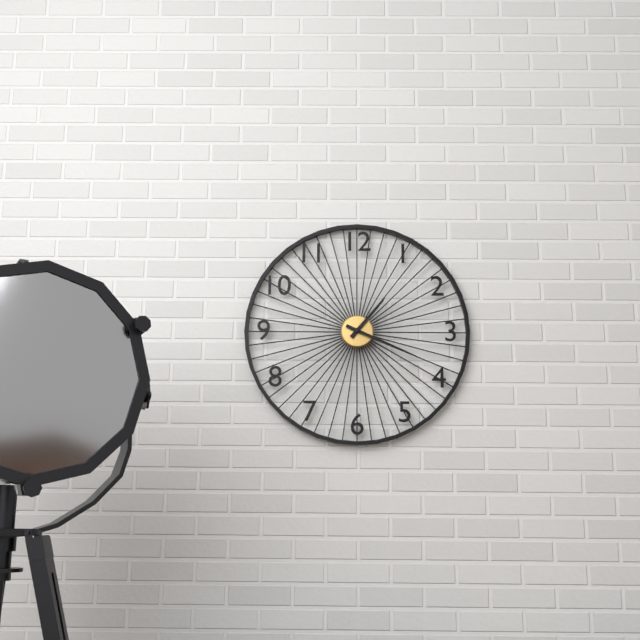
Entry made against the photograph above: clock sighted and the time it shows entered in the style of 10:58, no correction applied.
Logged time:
1:19
